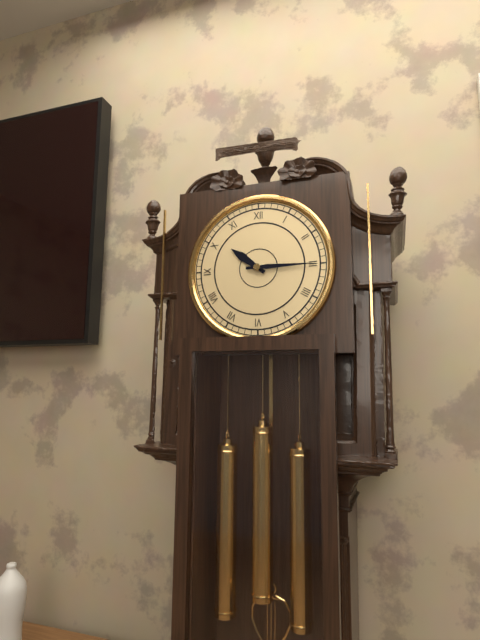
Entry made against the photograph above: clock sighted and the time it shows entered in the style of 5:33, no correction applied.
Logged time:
10:15
